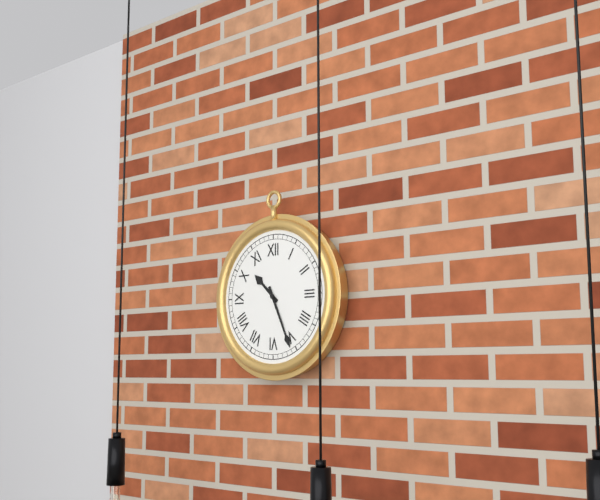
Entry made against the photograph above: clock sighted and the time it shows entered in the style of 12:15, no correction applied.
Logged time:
10:26
